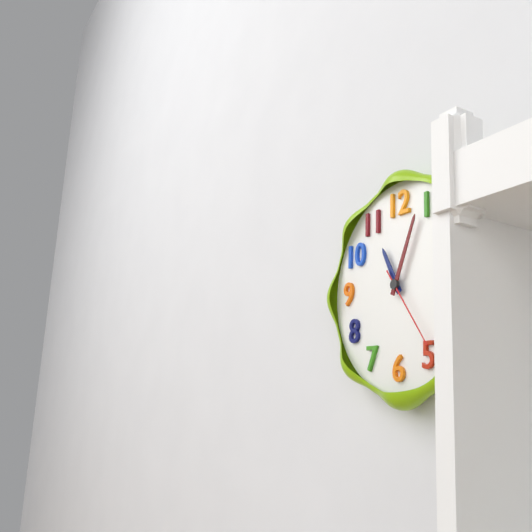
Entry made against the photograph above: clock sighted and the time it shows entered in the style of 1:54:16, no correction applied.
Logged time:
11:04:24
